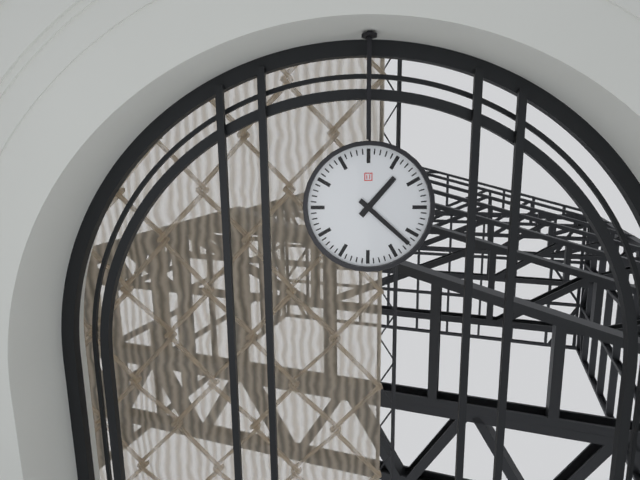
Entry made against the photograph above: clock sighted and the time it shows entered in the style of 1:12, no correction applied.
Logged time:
1:22
